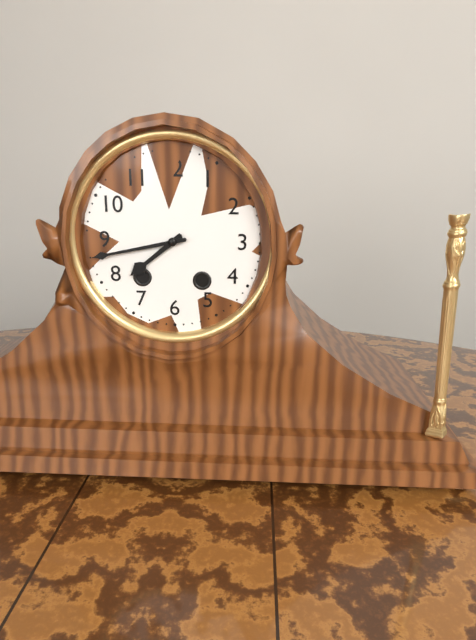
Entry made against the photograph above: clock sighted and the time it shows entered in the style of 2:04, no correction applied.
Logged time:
7:43
